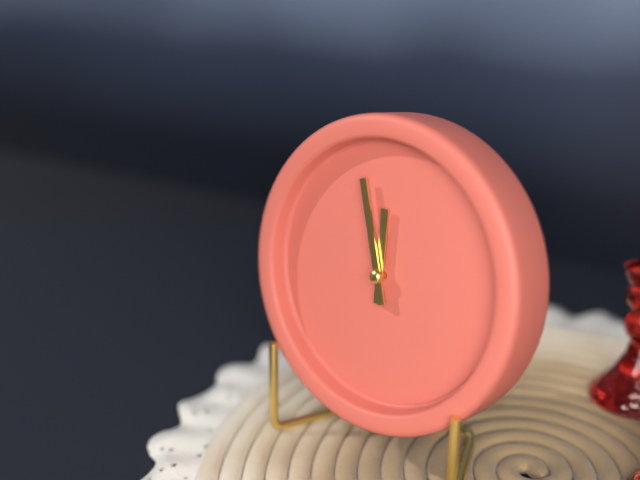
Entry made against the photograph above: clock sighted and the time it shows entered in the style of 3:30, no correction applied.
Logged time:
11:57
